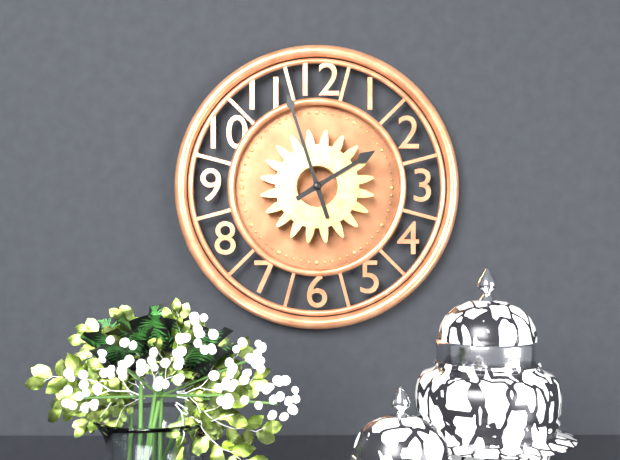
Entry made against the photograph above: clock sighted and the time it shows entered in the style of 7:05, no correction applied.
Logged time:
1:57
